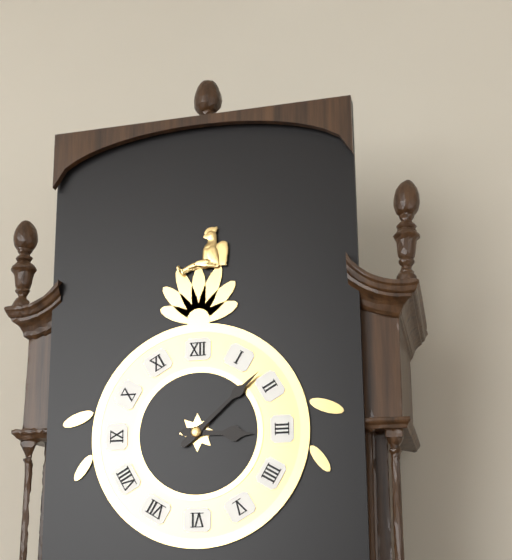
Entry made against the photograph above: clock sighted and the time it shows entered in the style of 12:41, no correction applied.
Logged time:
3:08
